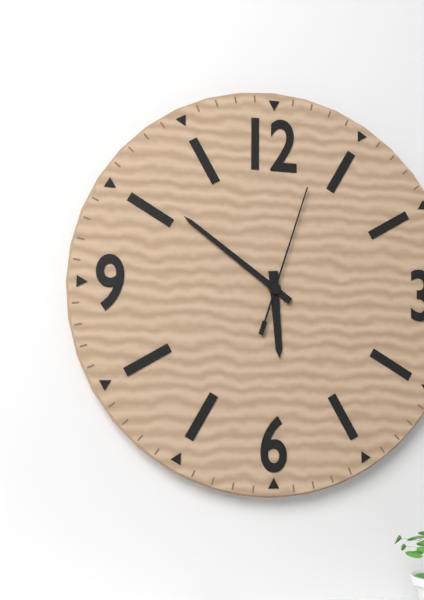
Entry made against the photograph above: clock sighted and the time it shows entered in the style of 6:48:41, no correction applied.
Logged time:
5:51:03
